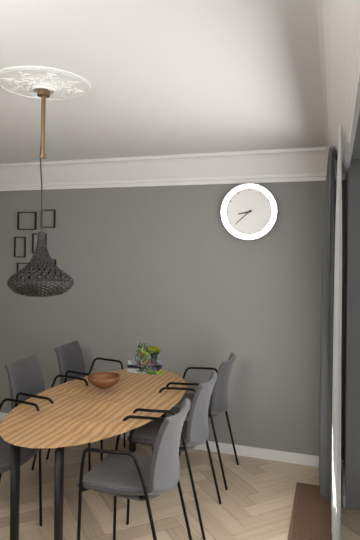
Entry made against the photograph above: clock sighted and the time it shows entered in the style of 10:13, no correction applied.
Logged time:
8:38
